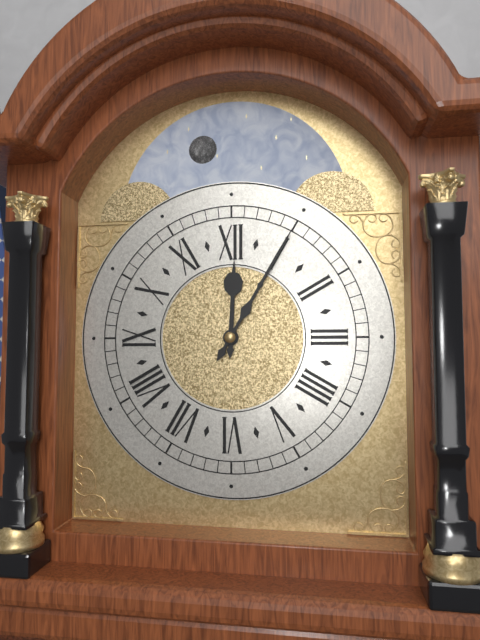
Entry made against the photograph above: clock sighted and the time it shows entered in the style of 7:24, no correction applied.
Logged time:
12:05
